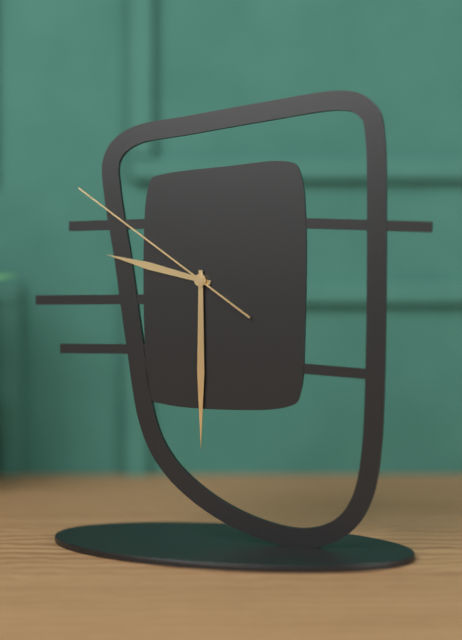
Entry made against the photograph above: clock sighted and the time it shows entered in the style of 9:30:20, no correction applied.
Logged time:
9:30:51
